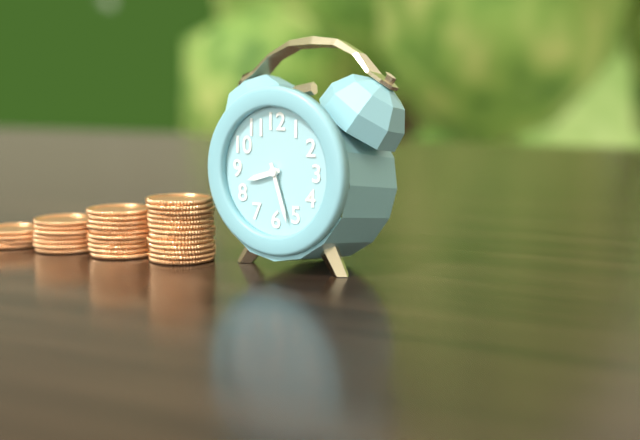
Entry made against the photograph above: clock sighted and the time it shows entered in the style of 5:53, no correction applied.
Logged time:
8:27
